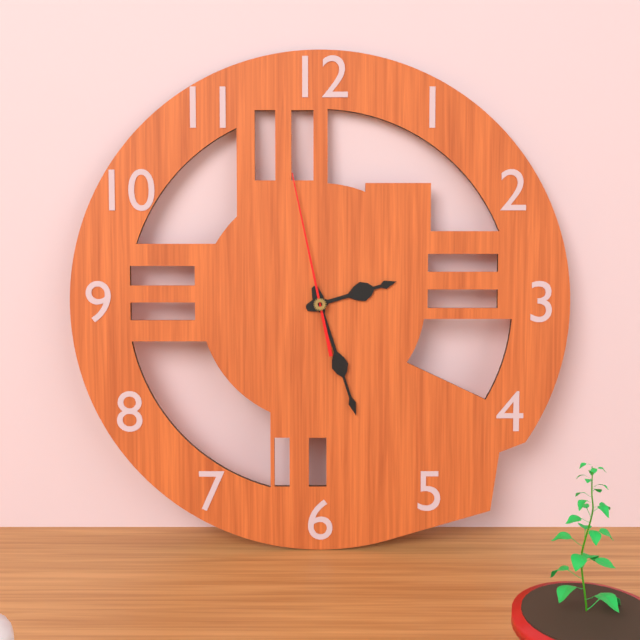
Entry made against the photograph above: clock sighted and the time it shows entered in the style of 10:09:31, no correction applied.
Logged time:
2:27:58
